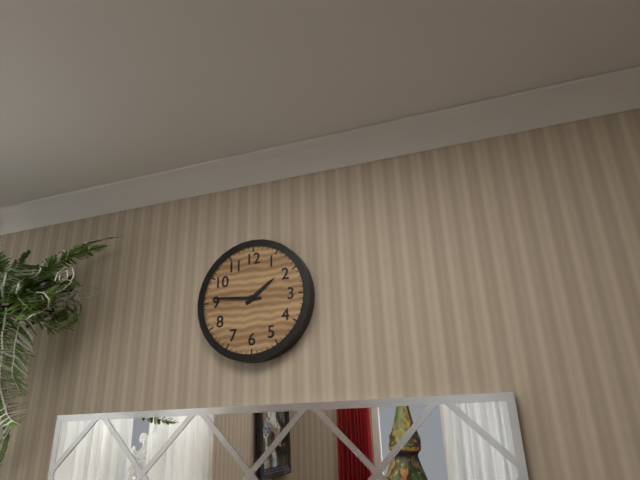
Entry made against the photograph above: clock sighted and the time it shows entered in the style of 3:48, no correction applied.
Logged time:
1:46
